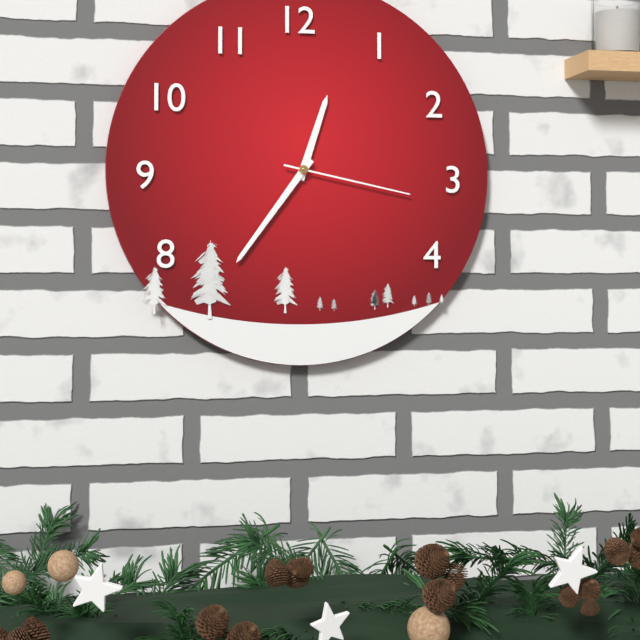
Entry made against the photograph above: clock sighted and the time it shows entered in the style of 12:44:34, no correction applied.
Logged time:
12:36:17
